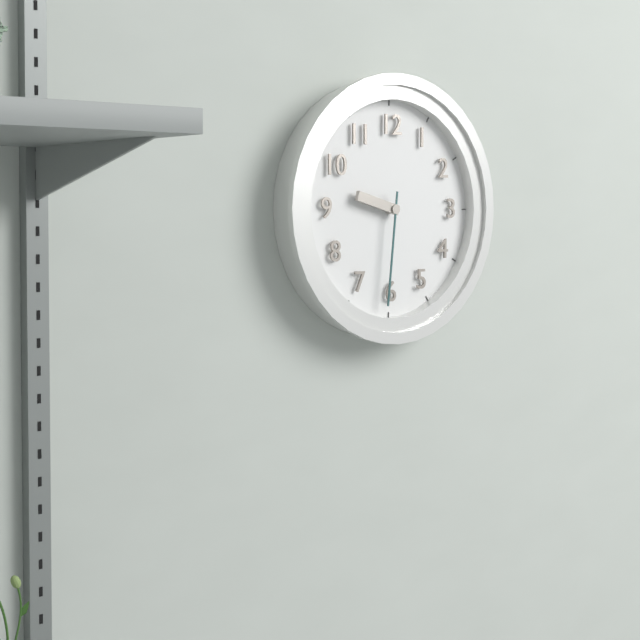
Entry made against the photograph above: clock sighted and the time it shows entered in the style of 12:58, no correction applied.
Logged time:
9:31
